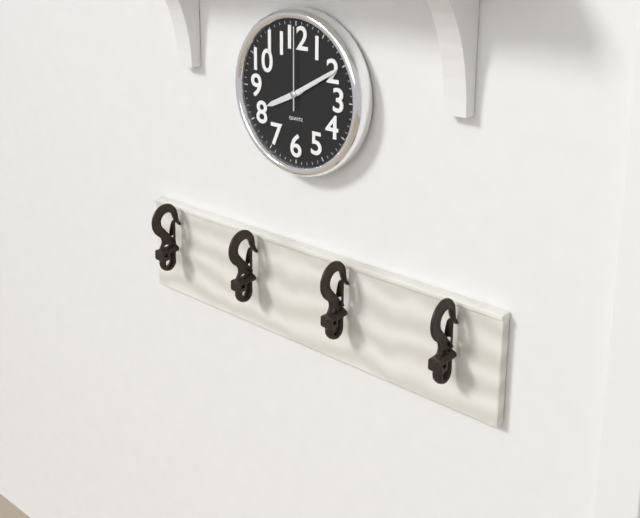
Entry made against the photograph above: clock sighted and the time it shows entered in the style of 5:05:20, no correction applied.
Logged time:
8:10:00
